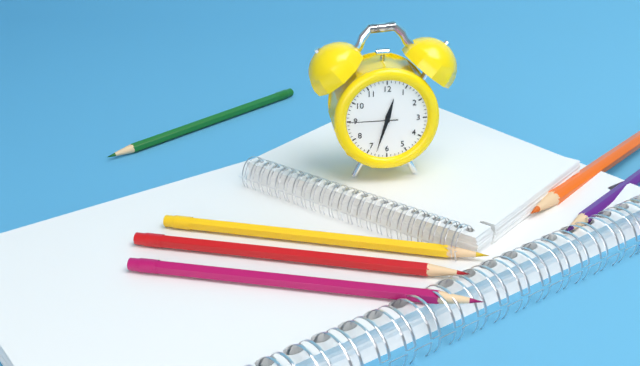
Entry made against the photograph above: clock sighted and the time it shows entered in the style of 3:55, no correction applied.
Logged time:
12:33
